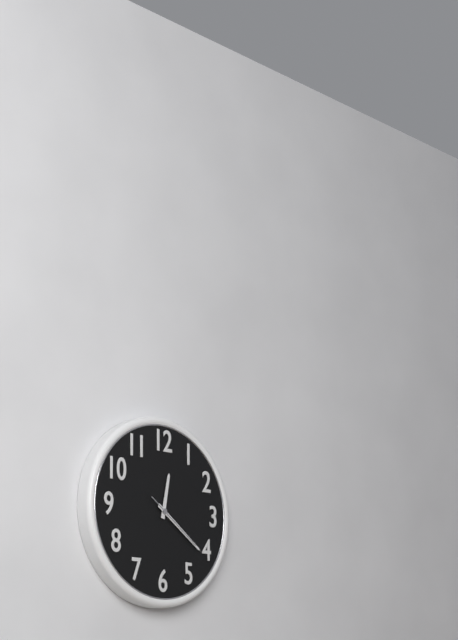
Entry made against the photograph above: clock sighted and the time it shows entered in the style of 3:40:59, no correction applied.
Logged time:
12:21:21
